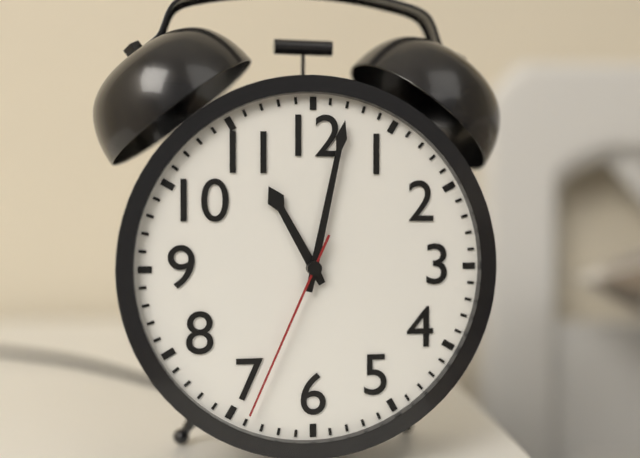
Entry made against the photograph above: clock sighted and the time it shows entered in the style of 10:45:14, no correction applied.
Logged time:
11:02:34
